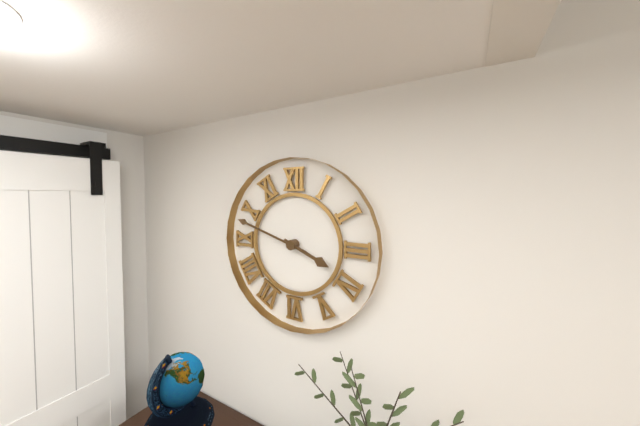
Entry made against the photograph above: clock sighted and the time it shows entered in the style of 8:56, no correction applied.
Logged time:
3:48
